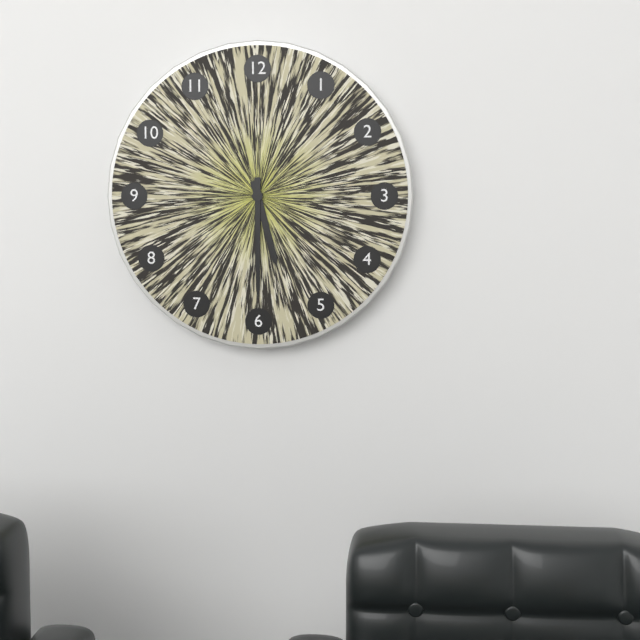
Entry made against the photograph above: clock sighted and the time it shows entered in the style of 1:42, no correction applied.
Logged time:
5:30
